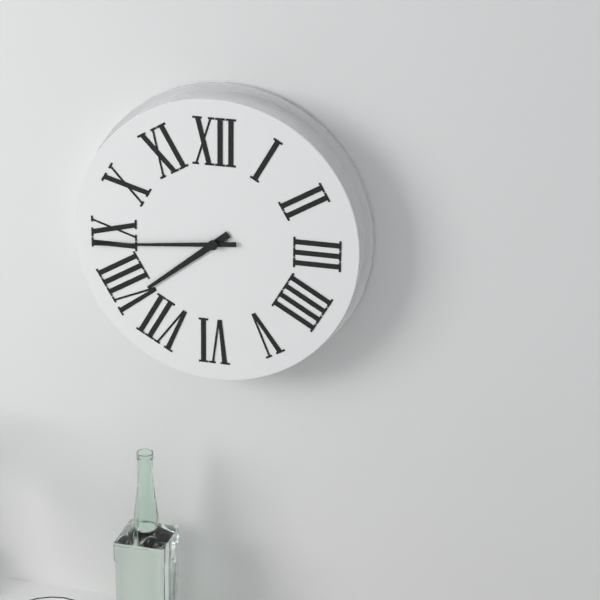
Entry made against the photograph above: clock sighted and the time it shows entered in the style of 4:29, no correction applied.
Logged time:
7:44
